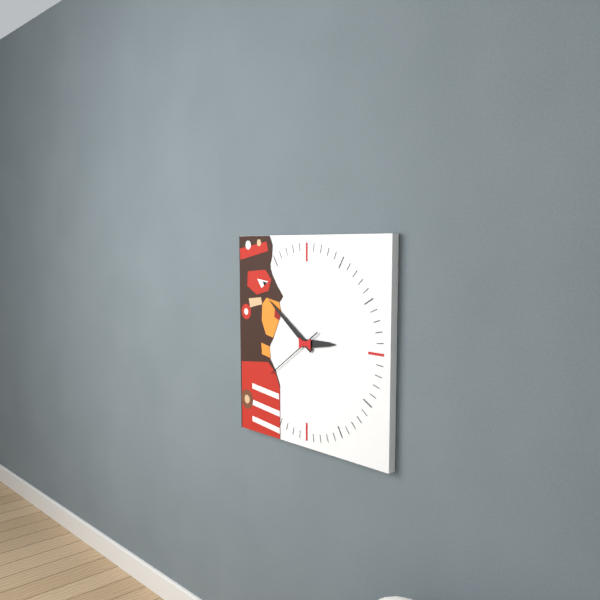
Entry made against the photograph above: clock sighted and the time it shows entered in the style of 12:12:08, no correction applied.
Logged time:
2:51:39
